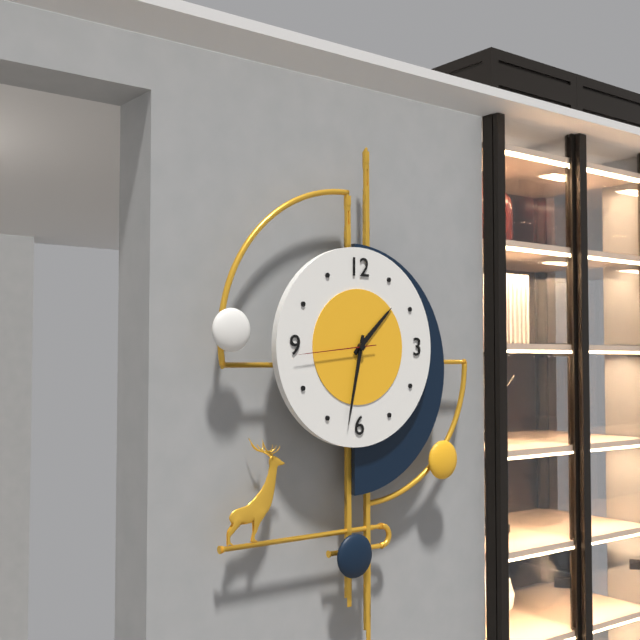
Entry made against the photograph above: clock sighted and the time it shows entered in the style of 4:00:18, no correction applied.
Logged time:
1:32:44
